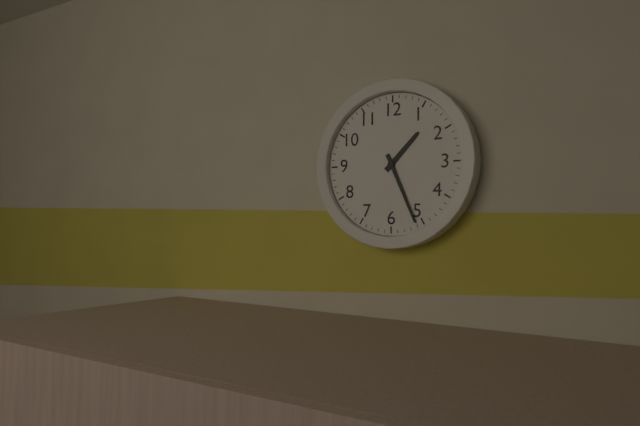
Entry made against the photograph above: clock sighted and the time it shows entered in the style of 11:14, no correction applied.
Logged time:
1:26
